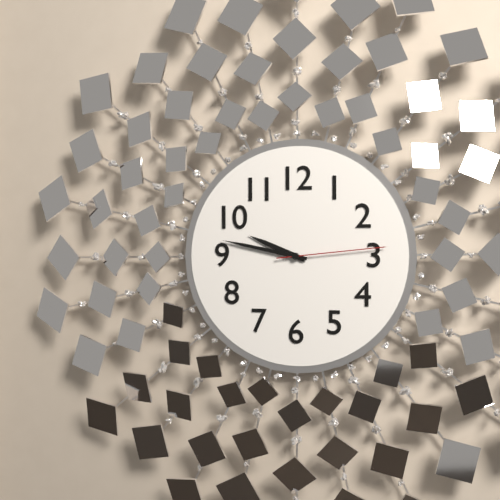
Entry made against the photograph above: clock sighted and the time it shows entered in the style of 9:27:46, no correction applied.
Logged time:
9:47:14
